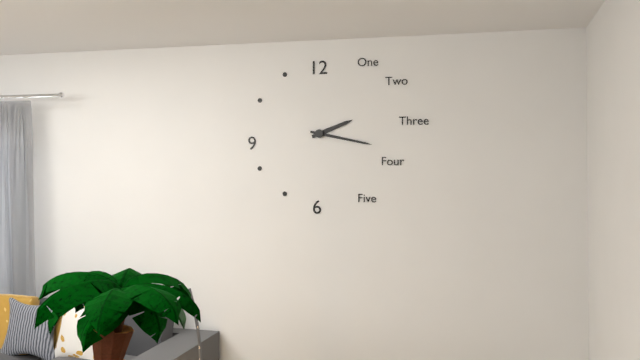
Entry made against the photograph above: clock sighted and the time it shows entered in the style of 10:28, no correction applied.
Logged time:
2:17
